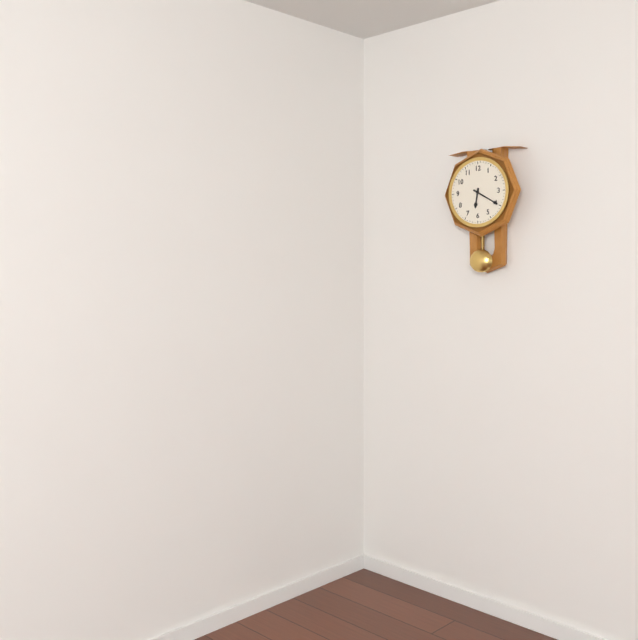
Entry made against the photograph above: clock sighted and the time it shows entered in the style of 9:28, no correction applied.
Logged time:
6:20
